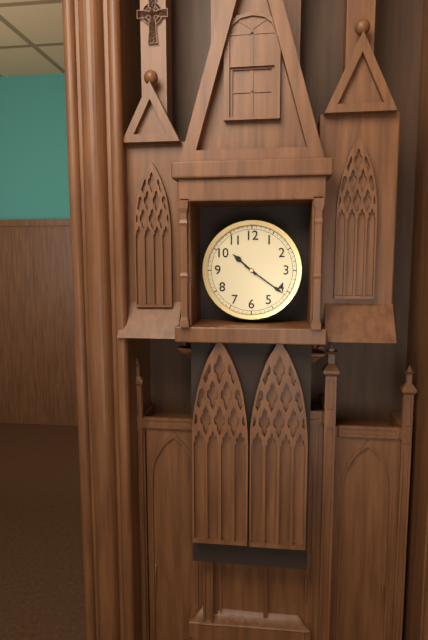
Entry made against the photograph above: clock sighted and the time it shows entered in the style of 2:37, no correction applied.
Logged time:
10:21
